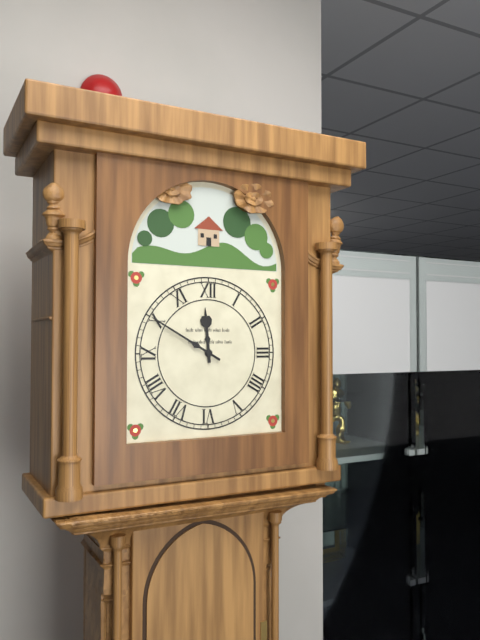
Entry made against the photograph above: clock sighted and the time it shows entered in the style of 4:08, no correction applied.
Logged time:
11:50
